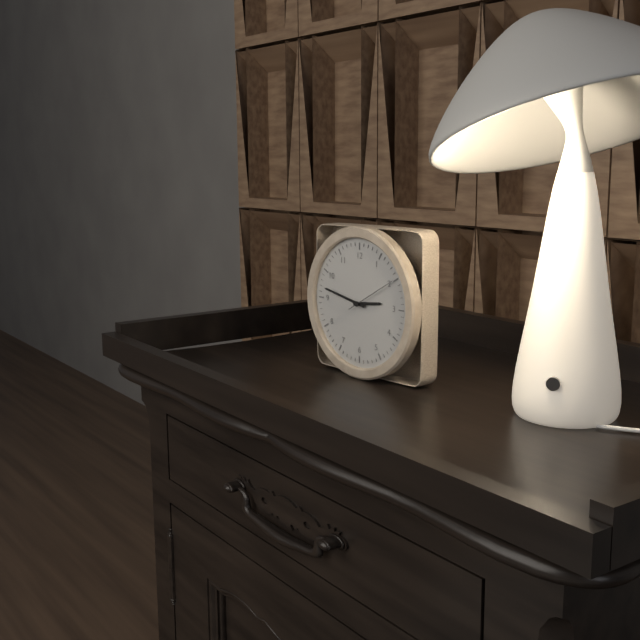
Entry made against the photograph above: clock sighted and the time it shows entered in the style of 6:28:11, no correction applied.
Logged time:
2:47:10
